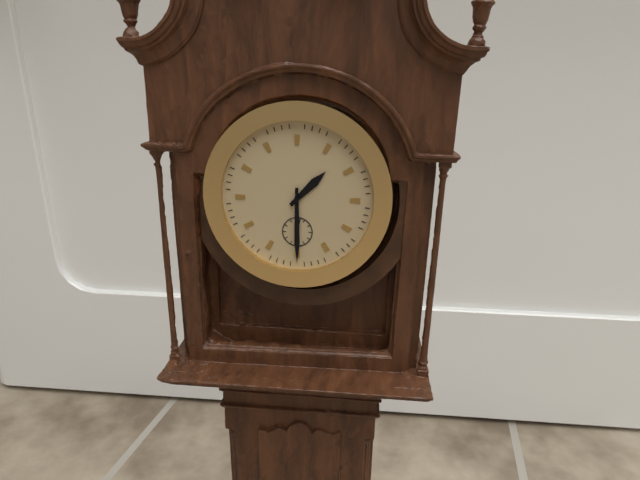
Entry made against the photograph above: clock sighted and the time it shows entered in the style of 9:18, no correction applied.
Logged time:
1:30
